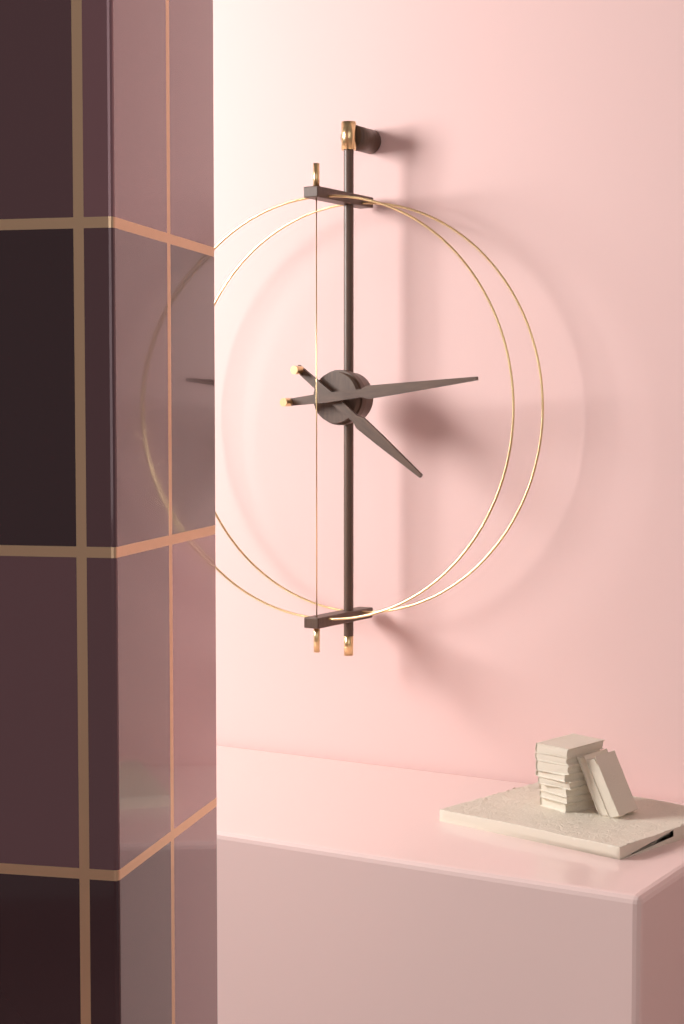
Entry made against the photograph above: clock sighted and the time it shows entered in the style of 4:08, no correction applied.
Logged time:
4:14
